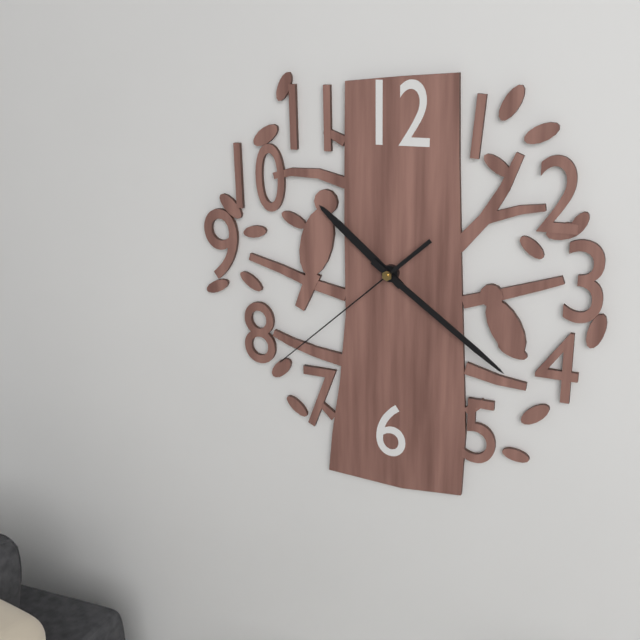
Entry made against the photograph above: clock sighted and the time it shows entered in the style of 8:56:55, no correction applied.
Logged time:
10:21:38
